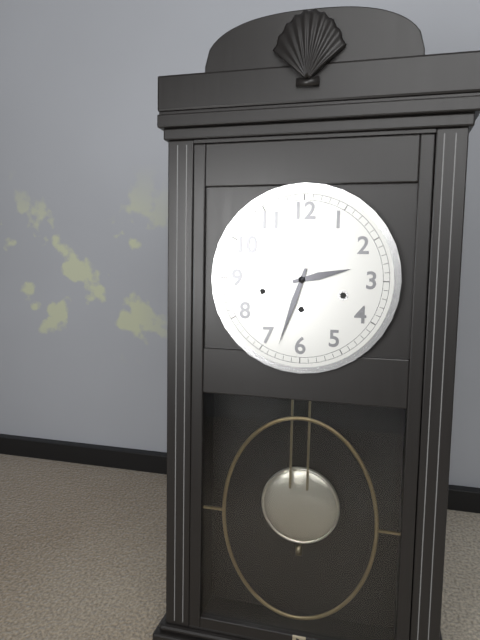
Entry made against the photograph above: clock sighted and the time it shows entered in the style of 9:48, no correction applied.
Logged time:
2:33
